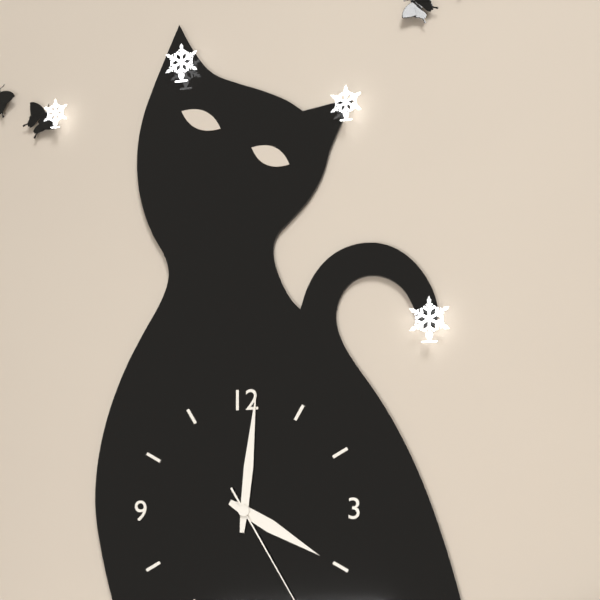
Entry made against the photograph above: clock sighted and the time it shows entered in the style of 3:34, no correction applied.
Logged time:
4:01
